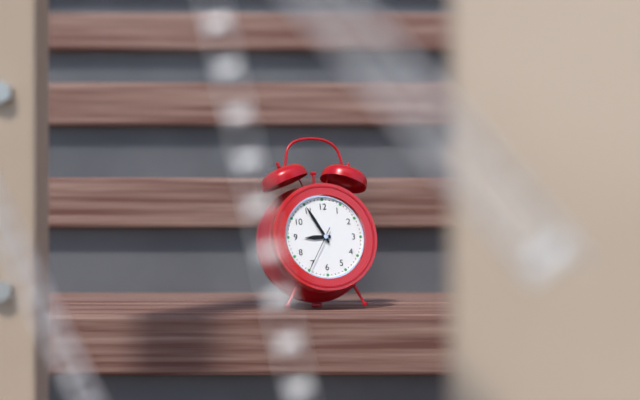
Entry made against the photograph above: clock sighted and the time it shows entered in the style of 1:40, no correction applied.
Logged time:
8:55
